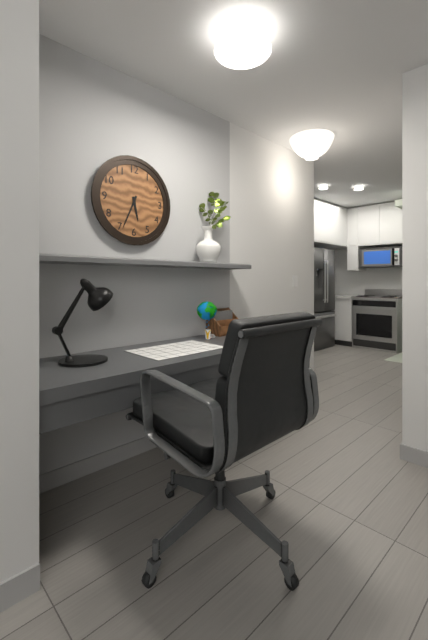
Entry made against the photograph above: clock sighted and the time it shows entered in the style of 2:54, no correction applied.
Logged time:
5:34
